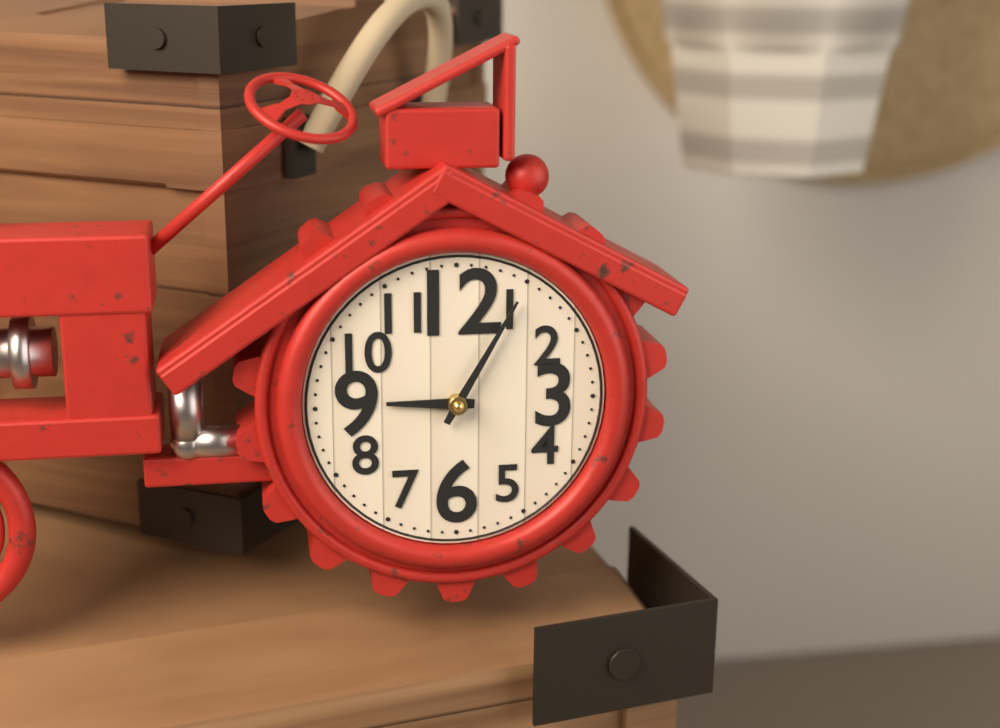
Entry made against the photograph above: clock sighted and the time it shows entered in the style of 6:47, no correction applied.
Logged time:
9:05
